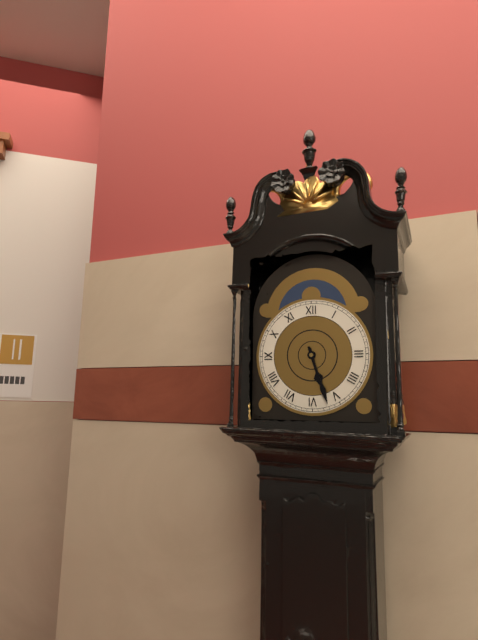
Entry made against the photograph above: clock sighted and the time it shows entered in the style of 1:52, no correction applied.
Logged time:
5:27
